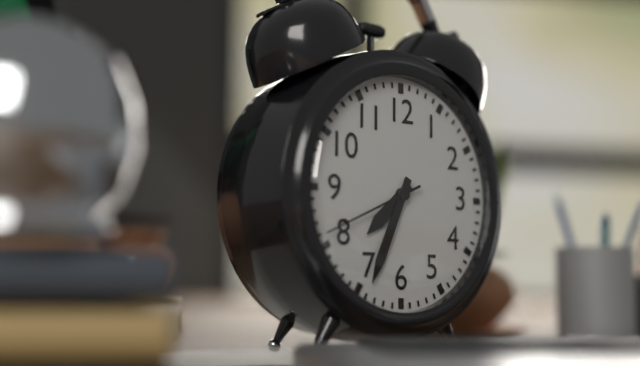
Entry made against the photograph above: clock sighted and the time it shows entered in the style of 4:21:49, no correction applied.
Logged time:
7:34:41
